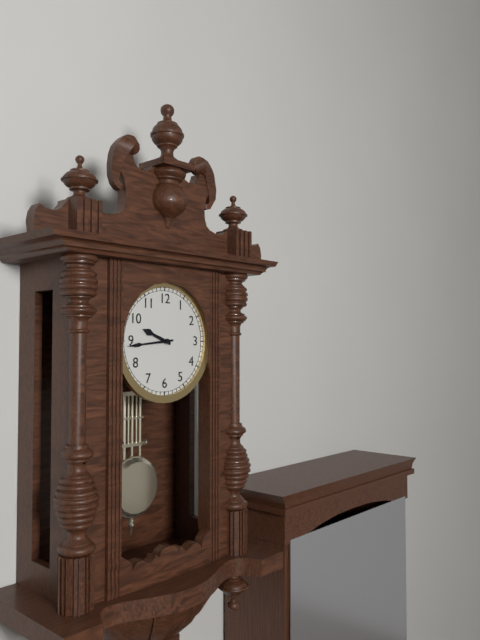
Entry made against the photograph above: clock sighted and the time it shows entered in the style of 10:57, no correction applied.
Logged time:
9:44
